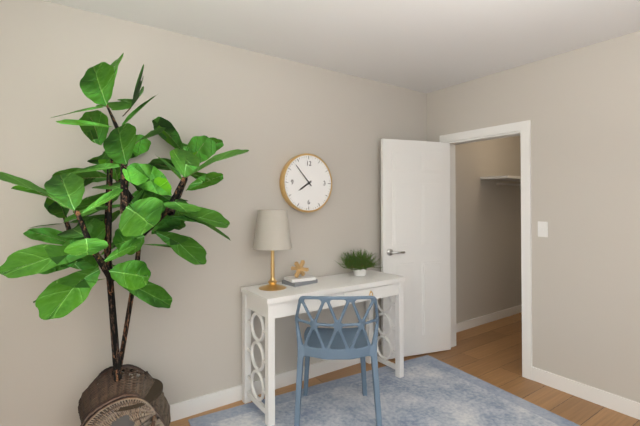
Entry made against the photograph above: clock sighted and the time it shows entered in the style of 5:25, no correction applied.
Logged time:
7:53
